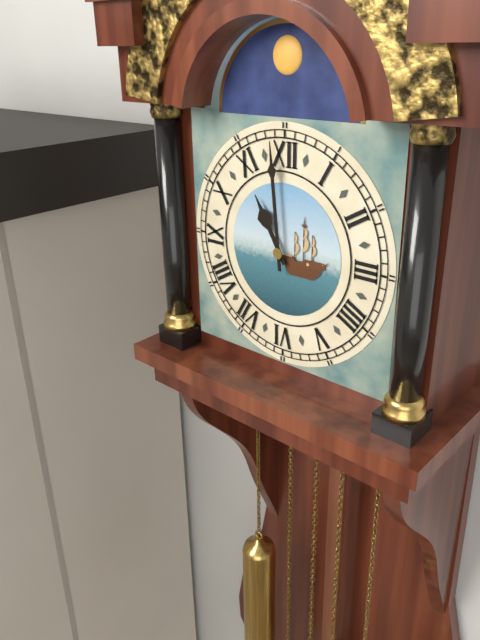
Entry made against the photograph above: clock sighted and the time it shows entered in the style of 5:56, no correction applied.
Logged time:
10:59
